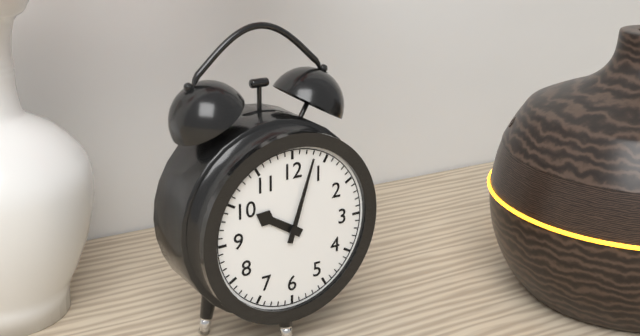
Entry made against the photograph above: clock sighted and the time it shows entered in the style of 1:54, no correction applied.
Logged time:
10:03
